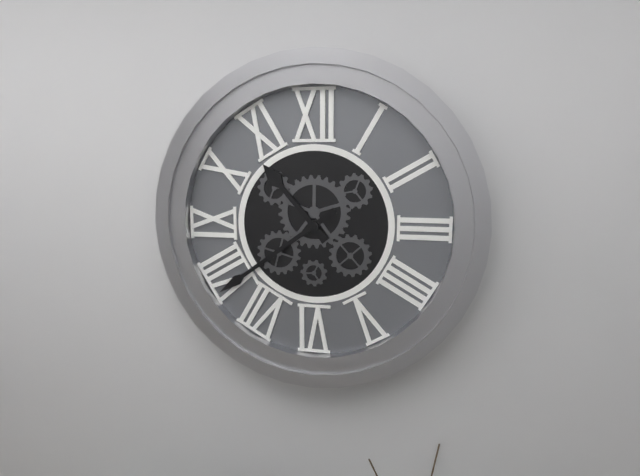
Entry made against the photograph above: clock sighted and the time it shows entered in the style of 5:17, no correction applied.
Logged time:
10:39
